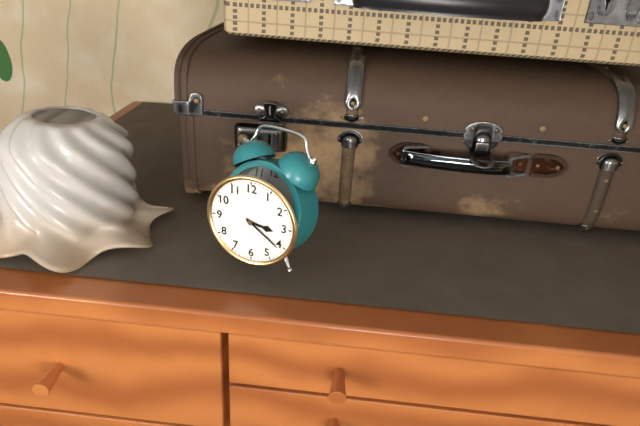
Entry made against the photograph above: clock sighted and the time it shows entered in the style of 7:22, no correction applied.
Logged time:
3:21
